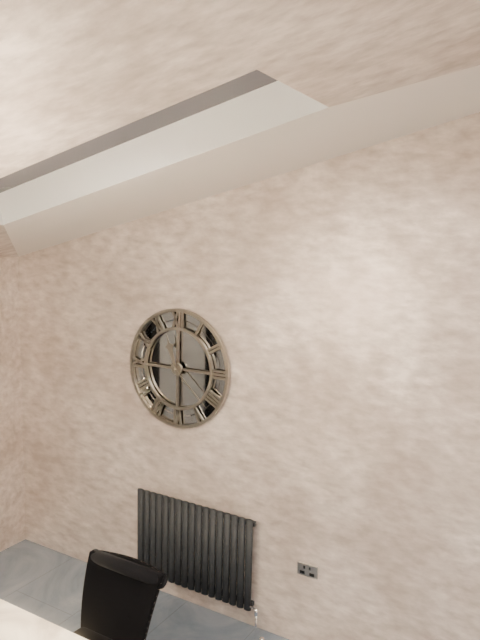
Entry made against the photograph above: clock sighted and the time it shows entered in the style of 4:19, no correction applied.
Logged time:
11:22
